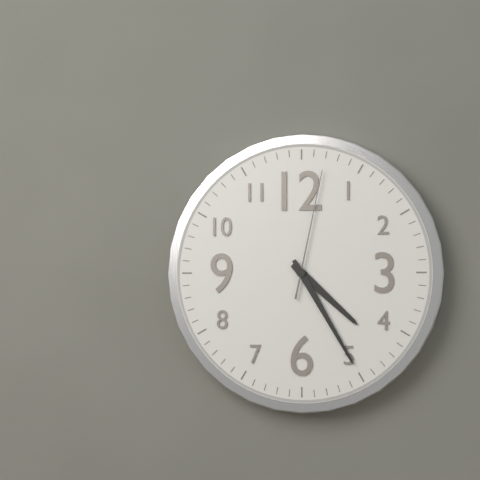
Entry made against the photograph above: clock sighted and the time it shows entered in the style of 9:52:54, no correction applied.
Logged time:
4:25:02
